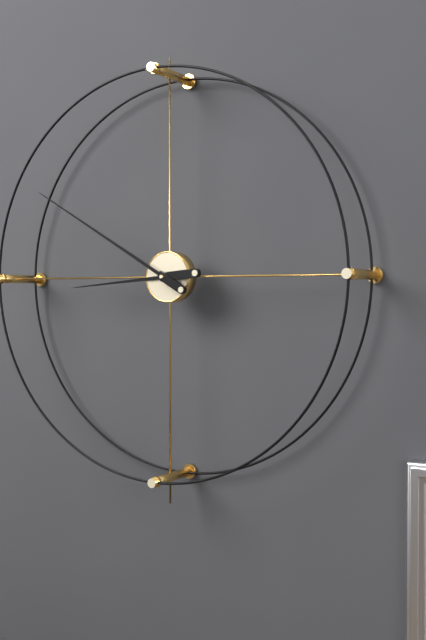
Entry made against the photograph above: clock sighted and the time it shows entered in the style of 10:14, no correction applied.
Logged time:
8:50
